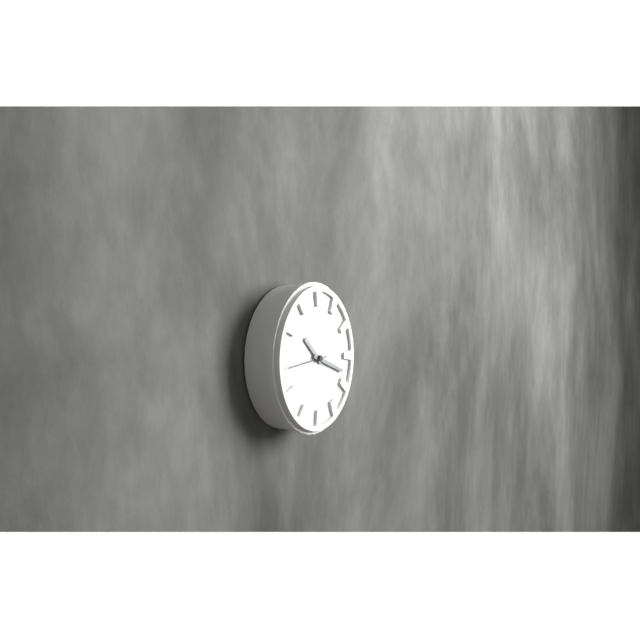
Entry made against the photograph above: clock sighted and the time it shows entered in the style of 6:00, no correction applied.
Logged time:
10:18
